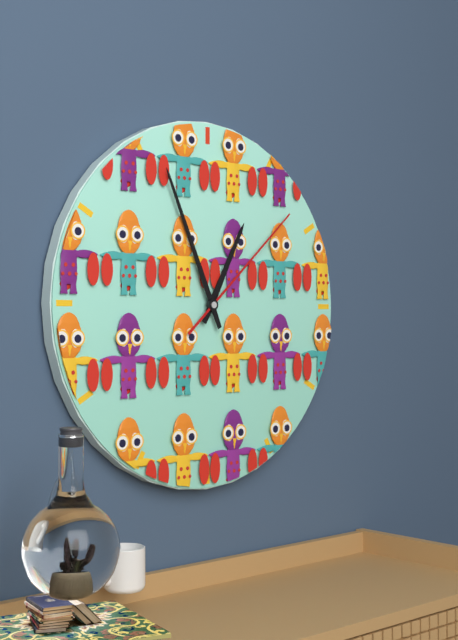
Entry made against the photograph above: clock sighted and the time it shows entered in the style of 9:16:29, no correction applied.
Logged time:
12:56:08
